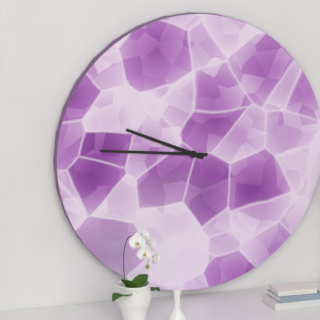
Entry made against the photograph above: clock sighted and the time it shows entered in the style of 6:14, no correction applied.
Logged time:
9:46
